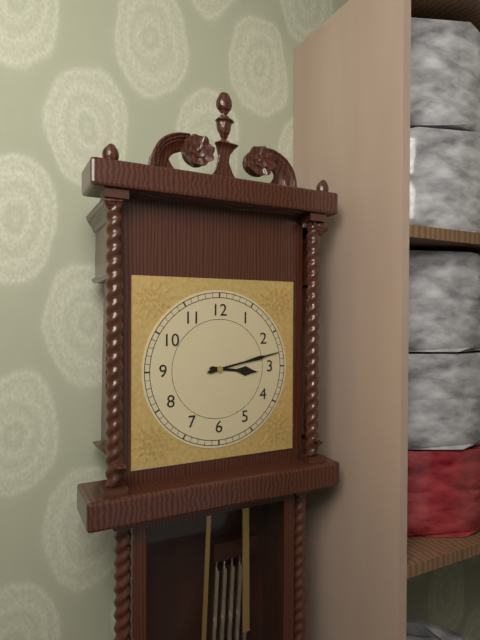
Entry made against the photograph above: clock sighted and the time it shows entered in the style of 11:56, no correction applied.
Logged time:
3:13
